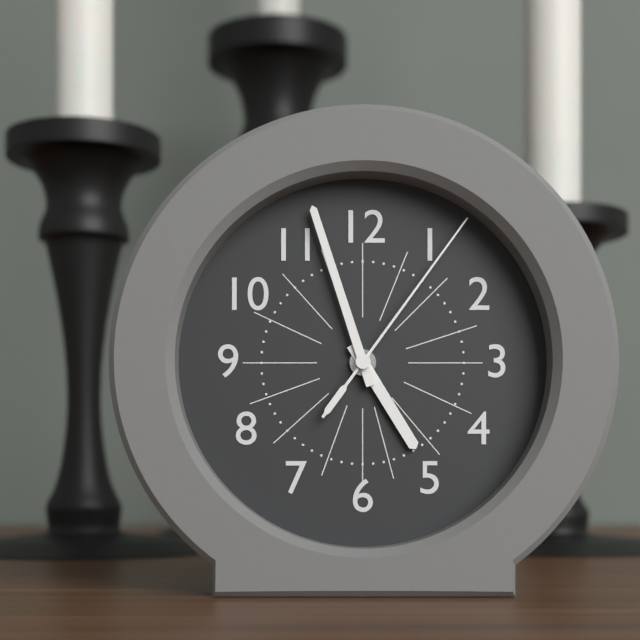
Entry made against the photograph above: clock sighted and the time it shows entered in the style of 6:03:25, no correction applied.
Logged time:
4:57:06
